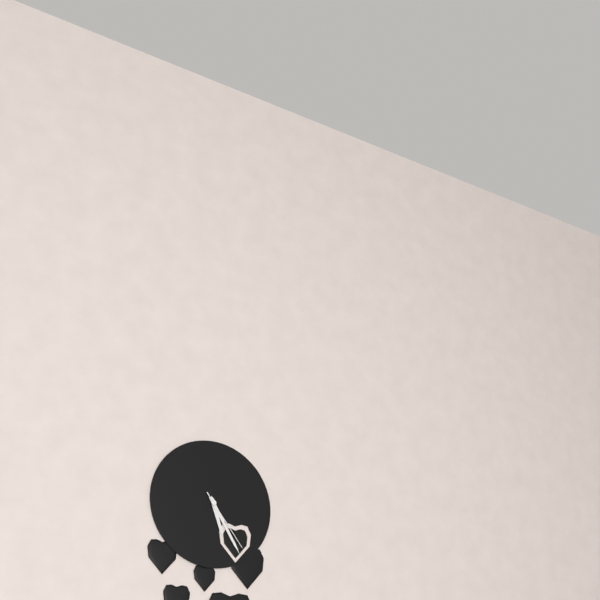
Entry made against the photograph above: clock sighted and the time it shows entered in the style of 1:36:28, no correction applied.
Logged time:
5:25:24
